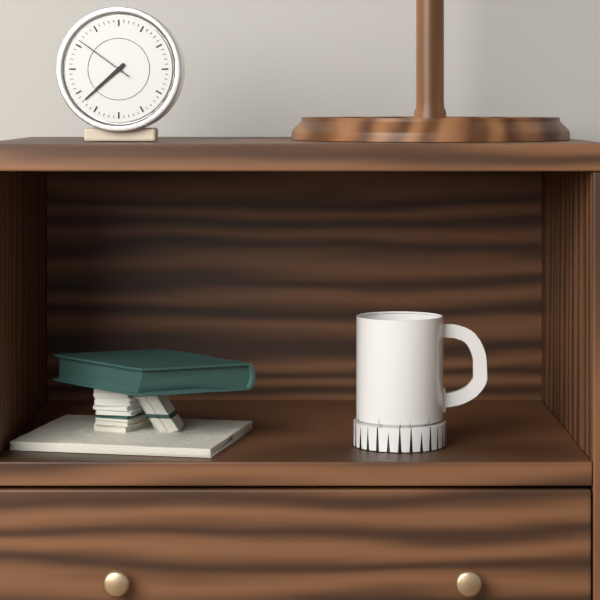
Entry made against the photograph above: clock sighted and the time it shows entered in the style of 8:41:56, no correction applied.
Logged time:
7:38:51
